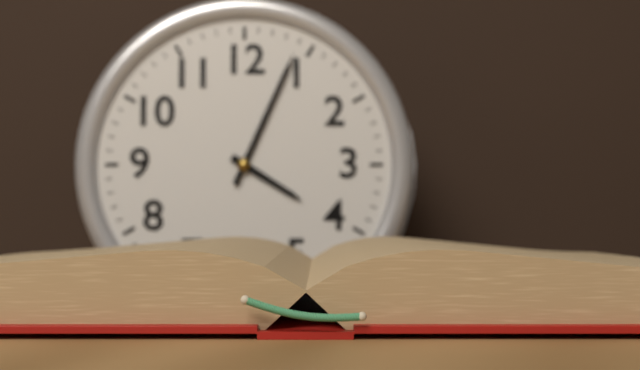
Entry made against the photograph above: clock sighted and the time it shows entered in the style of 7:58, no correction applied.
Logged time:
4:04
